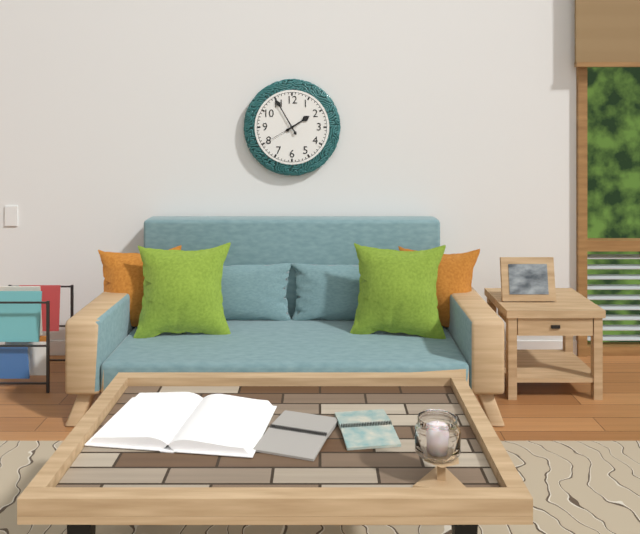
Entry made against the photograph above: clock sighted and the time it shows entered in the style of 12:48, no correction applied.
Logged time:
1:55
